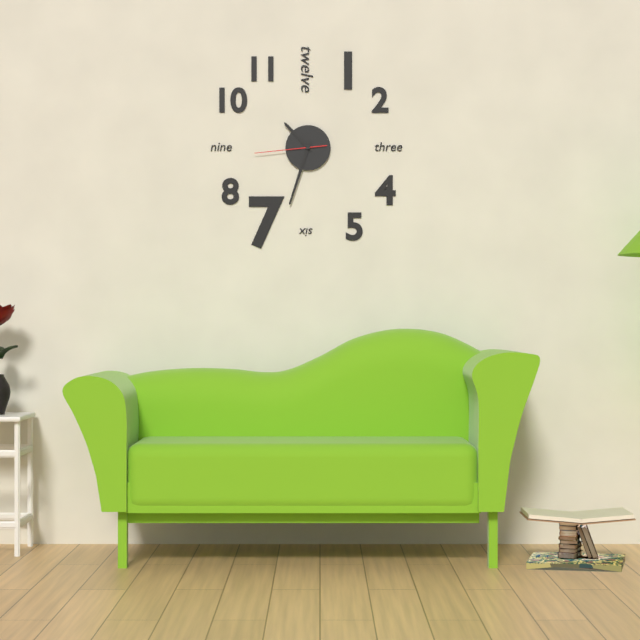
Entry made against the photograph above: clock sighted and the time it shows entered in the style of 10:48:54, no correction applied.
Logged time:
10:33:44
